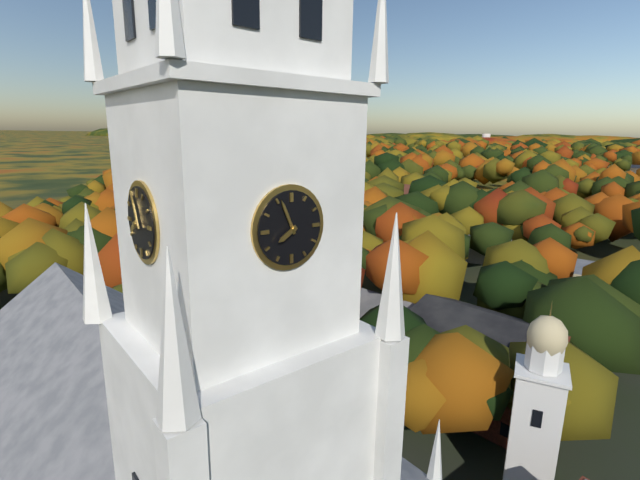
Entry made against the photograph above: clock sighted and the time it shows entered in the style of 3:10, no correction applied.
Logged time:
7:56
